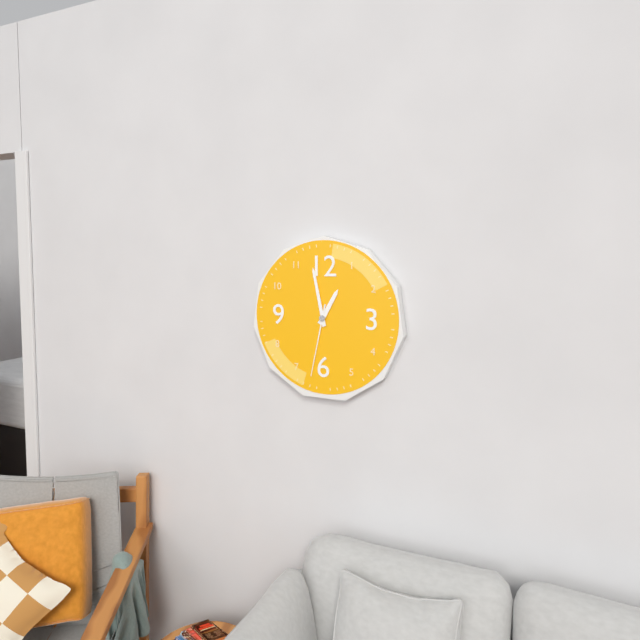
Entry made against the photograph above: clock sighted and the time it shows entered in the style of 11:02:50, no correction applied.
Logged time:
12:58:32
